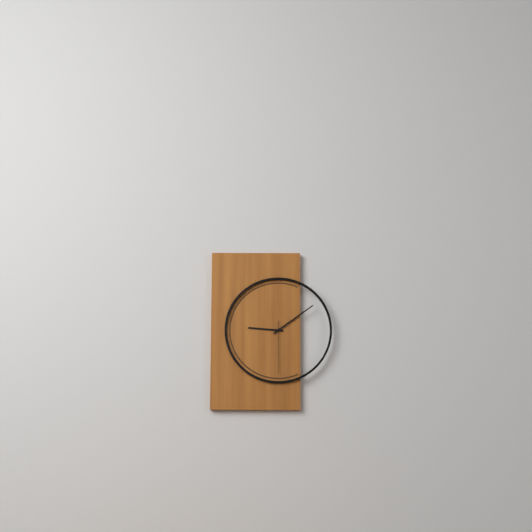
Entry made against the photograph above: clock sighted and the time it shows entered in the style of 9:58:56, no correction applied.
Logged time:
9:09:30
